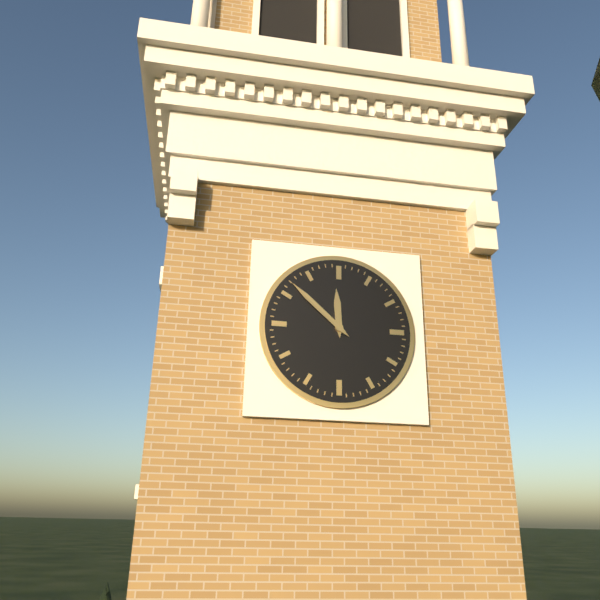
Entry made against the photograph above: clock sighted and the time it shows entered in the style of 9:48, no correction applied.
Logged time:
11:52
